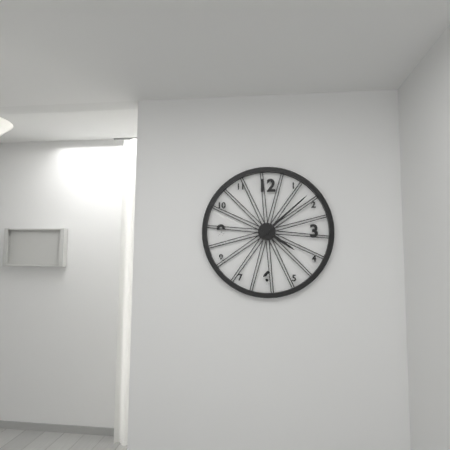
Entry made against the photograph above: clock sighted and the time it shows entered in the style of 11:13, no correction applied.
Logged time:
4:08
